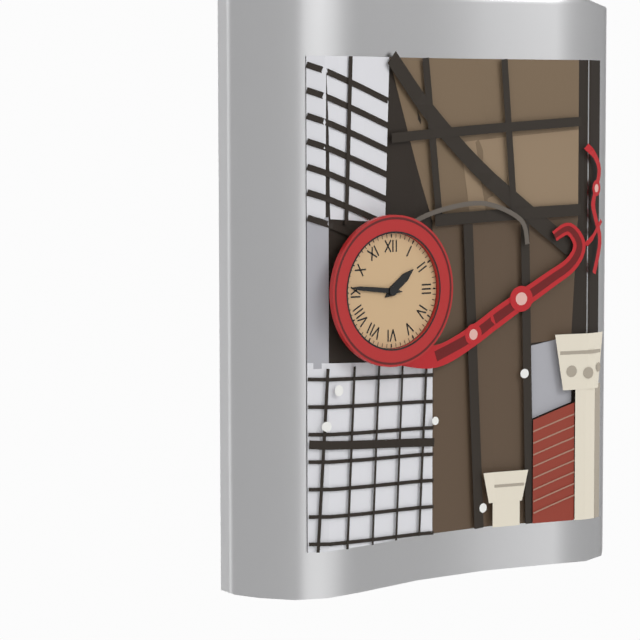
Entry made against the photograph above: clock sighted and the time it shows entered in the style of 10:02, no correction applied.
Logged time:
1:46
